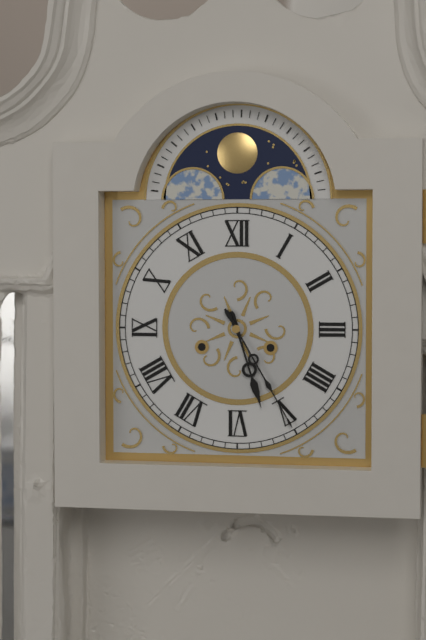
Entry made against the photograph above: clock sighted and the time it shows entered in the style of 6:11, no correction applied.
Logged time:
5:25
